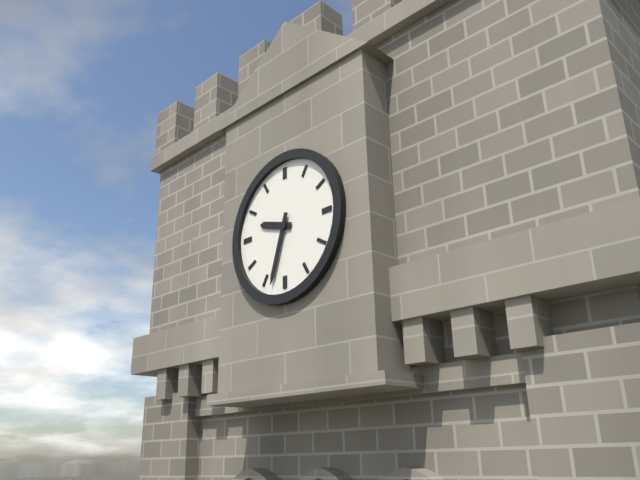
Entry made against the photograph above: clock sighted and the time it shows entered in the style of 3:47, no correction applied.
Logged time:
9:33
